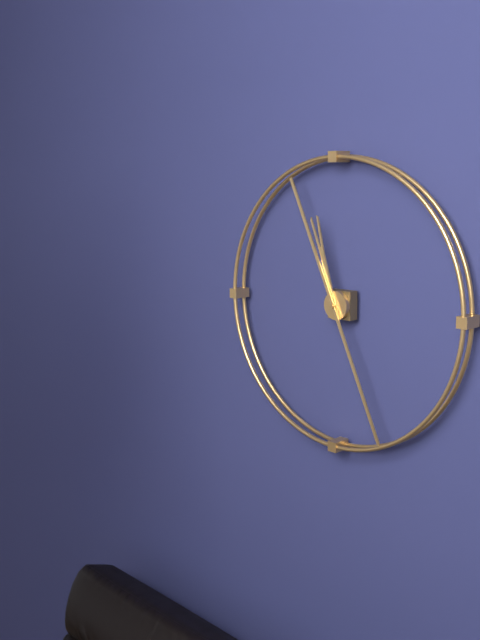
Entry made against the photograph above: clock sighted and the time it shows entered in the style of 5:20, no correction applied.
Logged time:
11:26
